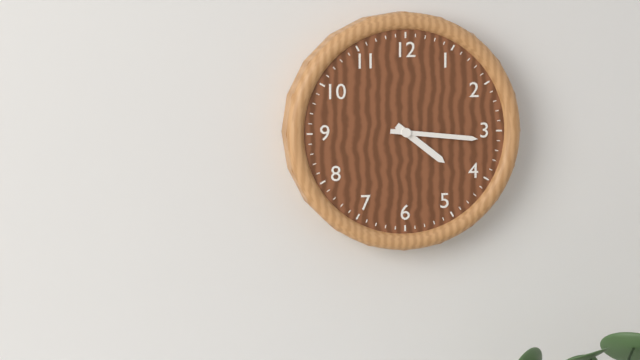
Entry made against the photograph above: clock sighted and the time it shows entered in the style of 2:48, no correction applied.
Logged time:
4:16
